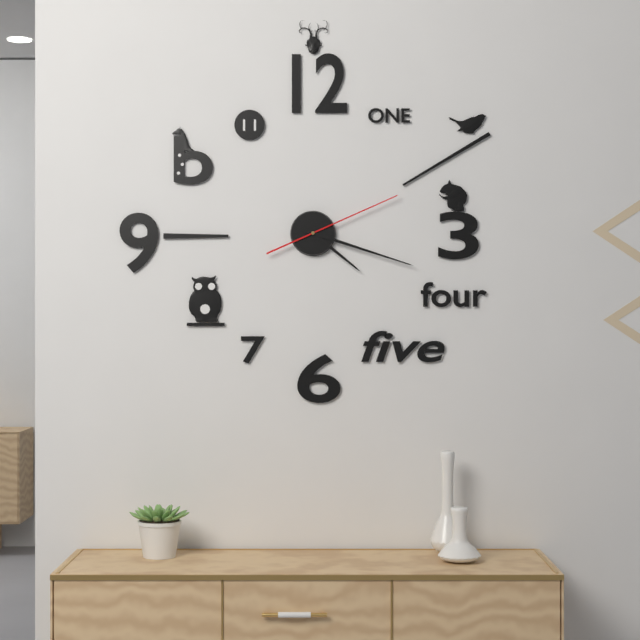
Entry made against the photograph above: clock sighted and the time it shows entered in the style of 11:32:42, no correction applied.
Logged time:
4:18:11
